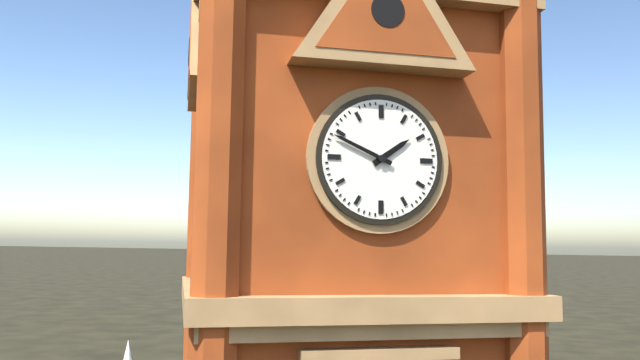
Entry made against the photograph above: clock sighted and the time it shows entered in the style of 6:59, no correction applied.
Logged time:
1:49
